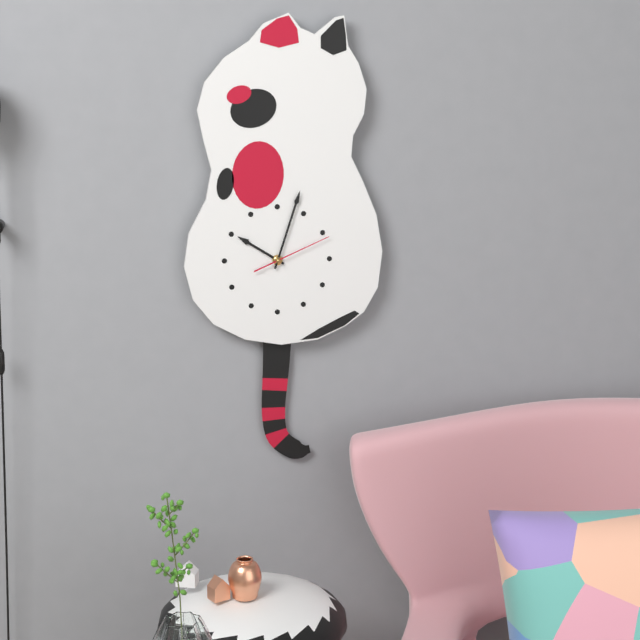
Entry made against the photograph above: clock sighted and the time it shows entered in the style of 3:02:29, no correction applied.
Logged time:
10:03:11
